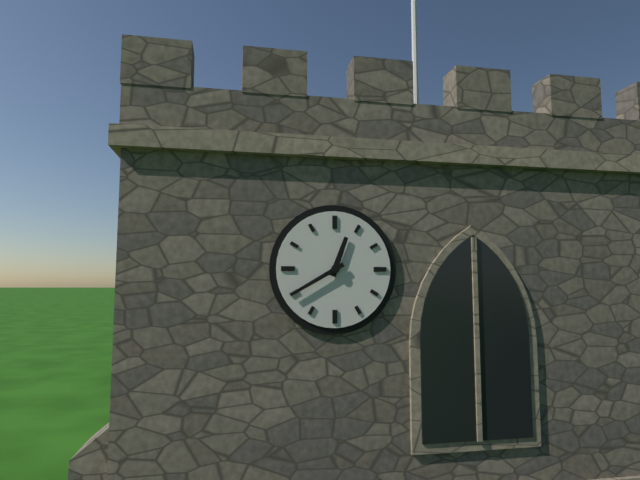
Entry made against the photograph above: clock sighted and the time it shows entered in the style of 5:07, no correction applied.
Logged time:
12:40
